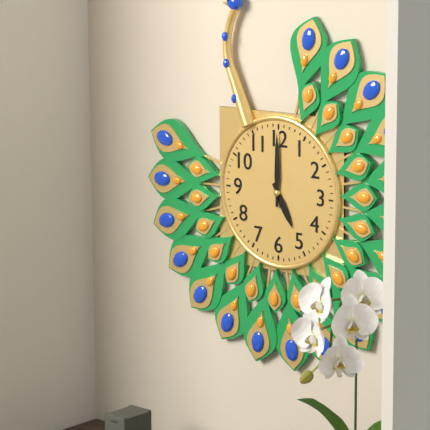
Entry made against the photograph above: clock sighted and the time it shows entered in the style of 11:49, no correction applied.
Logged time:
5:00
